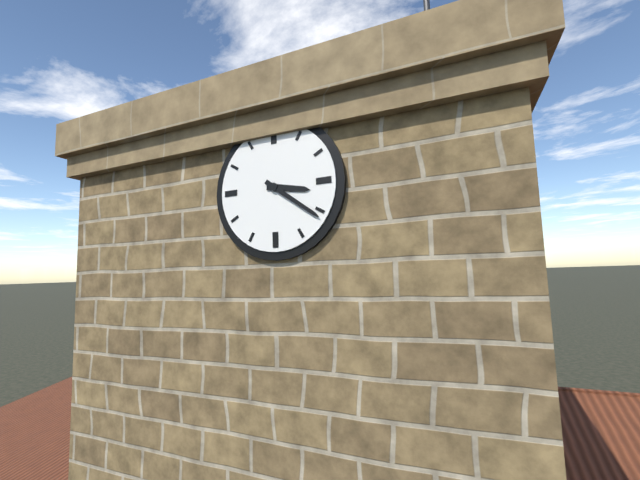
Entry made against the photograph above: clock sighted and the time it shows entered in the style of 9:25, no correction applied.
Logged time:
3:21
